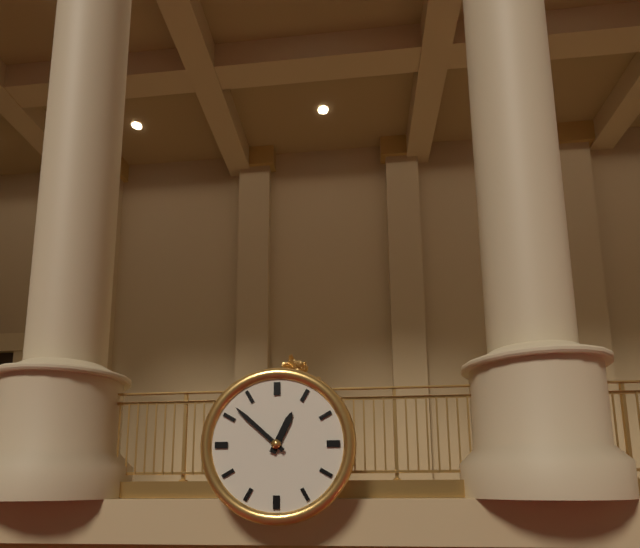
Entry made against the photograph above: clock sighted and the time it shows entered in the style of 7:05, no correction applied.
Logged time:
12:52
